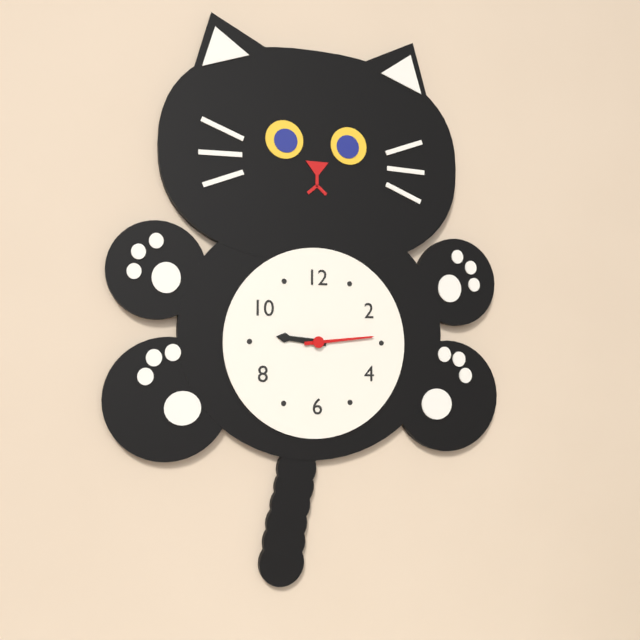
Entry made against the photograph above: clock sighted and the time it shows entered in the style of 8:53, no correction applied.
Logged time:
9:14
